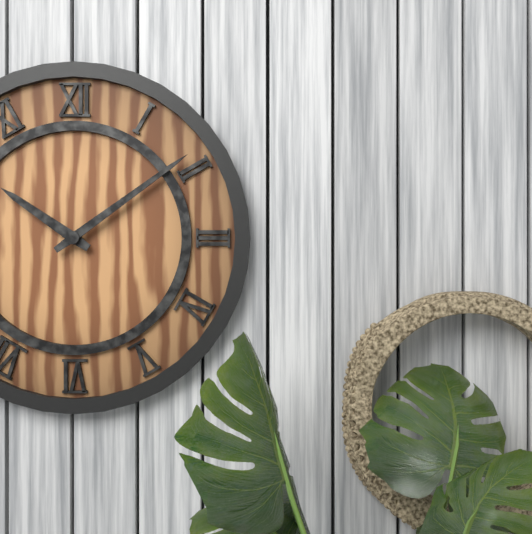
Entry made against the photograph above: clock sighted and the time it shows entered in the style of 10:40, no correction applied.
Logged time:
10:09
